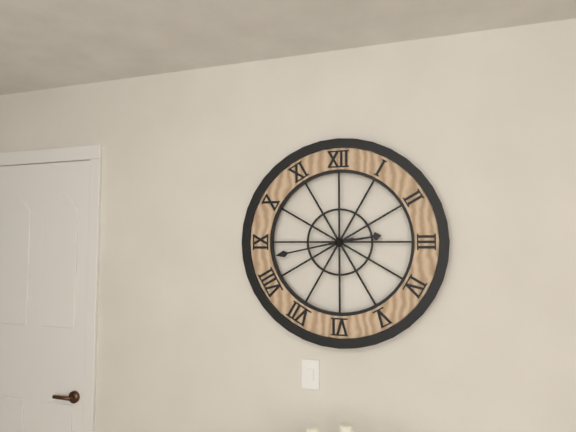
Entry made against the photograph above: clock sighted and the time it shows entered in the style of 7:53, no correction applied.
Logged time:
2:43
